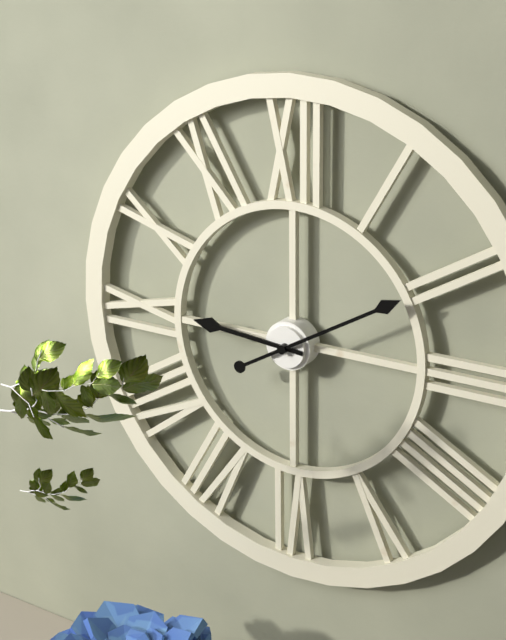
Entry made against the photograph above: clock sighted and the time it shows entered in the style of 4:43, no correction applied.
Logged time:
9:10
